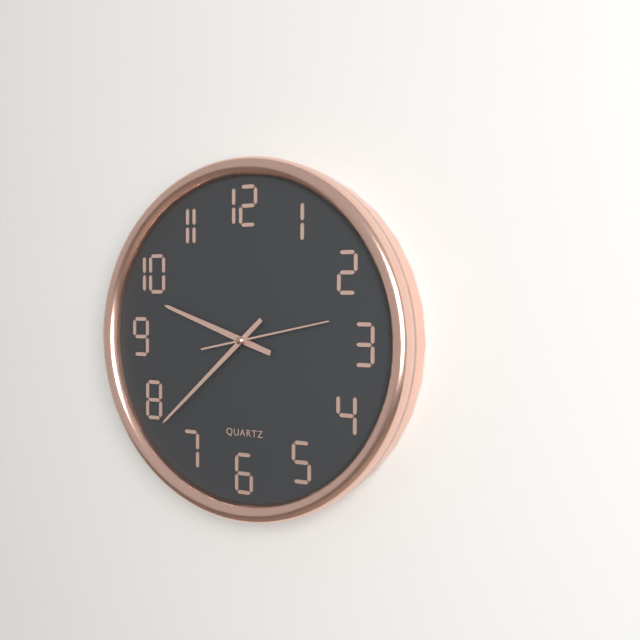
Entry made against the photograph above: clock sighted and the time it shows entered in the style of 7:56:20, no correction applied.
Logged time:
9:38:13
